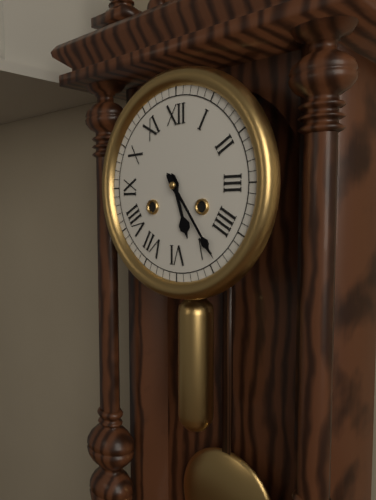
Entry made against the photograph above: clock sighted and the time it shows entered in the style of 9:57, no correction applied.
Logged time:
5:24
